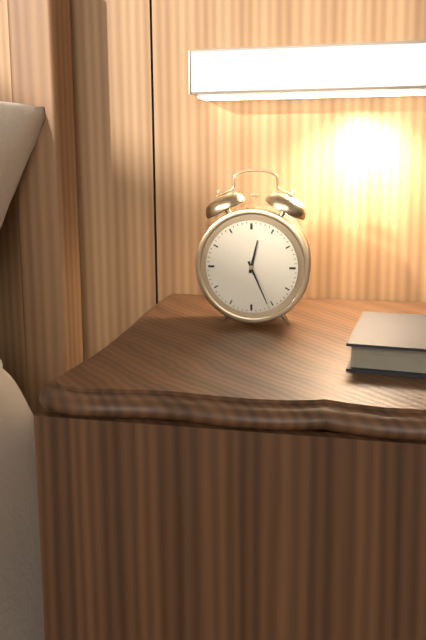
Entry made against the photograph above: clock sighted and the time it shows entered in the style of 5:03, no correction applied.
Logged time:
12:26
